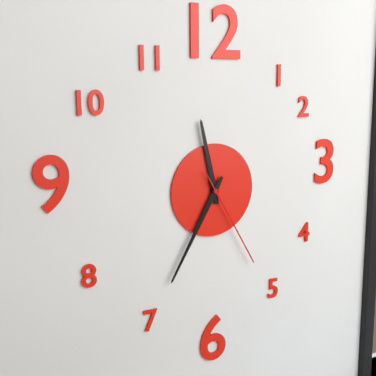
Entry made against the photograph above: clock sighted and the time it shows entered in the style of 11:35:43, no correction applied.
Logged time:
11:35:25
